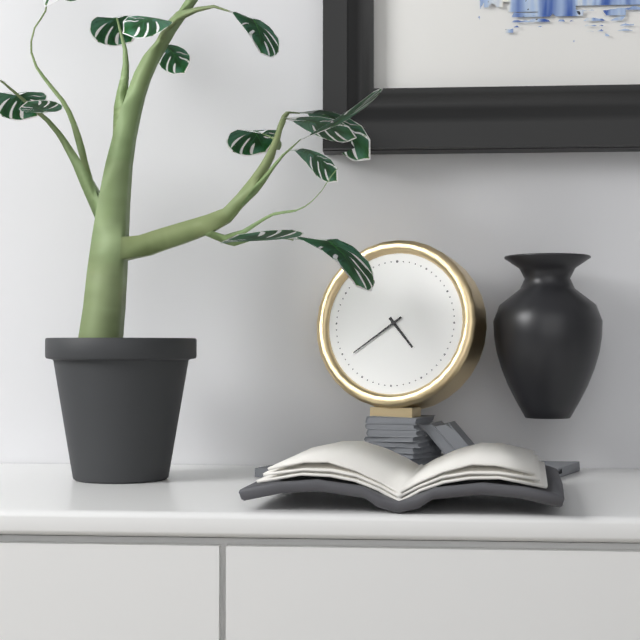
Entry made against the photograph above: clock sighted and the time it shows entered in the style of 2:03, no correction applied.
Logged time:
4:39
